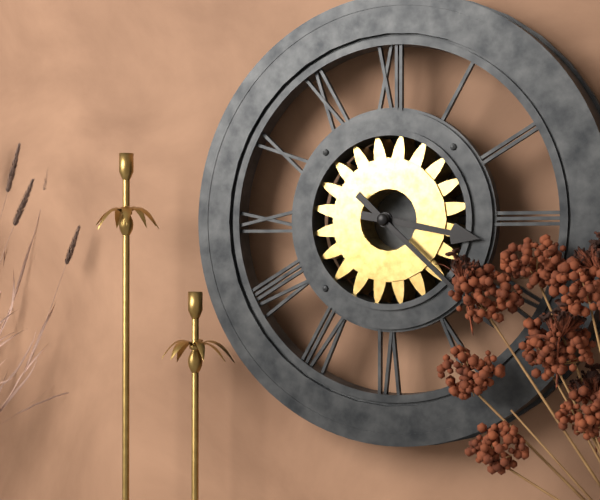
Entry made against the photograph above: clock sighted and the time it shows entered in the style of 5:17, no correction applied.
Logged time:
3:22
